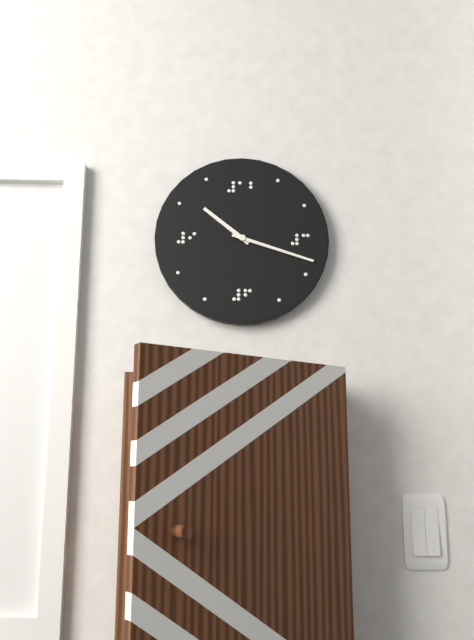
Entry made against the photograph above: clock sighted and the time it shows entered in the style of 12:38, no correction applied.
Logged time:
10:18
